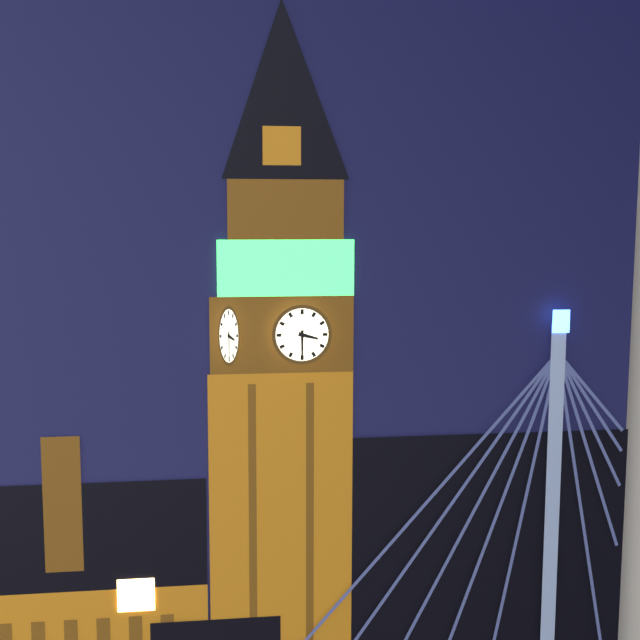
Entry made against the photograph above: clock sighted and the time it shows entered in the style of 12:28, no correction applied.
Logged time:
3:30
